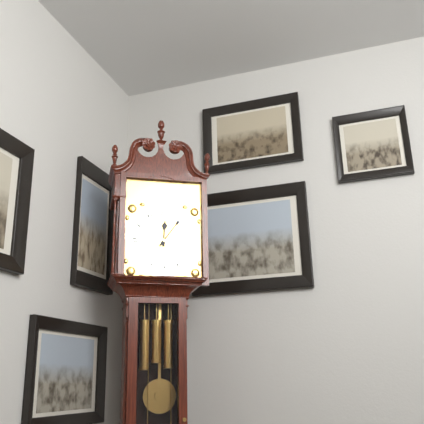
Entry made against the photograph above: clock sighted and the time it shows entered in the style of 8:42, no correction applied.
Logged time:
12:06
